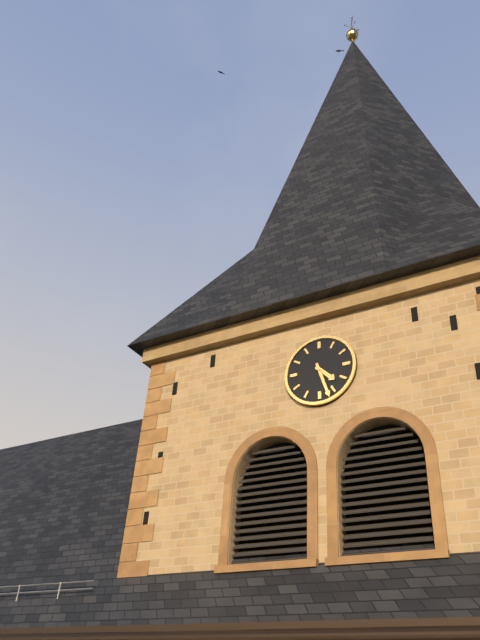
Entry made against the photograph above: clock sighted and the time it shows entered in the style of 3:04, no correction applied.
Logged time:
4:27
